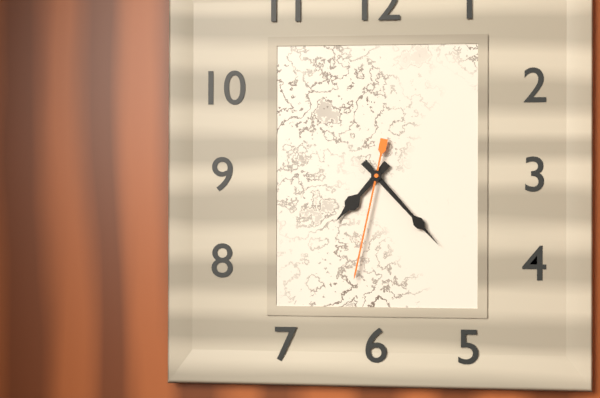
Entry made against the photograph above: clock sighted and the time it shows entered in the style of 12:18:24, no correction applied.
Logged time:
7:23:32
